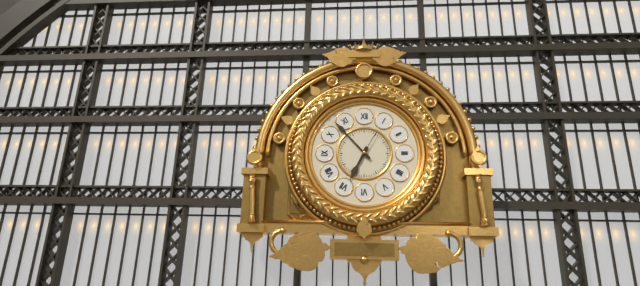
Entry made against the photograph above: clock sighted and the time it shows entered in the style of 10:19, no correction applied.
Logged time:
6:53
